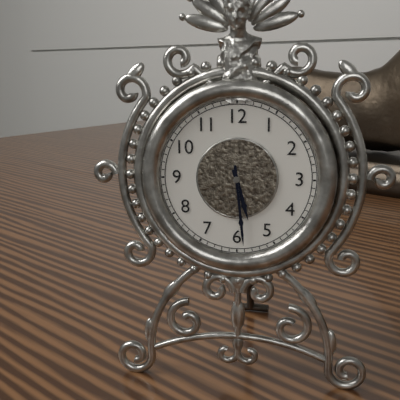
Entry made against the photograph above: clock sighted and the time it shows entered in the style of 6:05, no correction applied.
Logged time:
5:29
